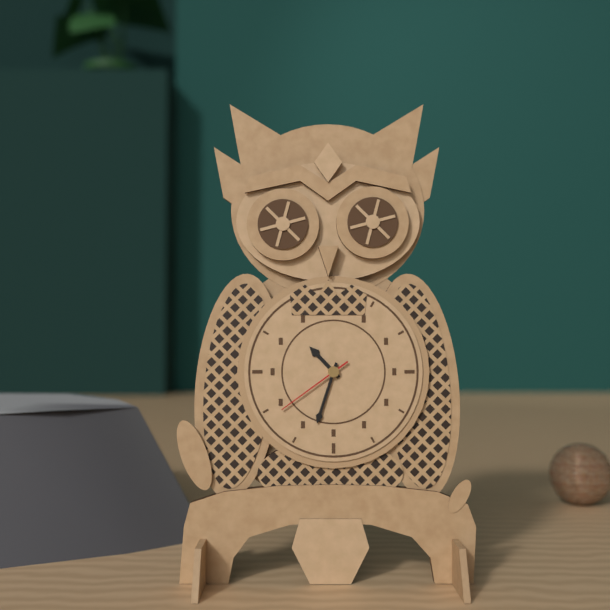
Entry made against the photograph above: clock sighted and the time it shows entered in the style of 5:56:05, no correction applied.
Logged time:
10:33:39
